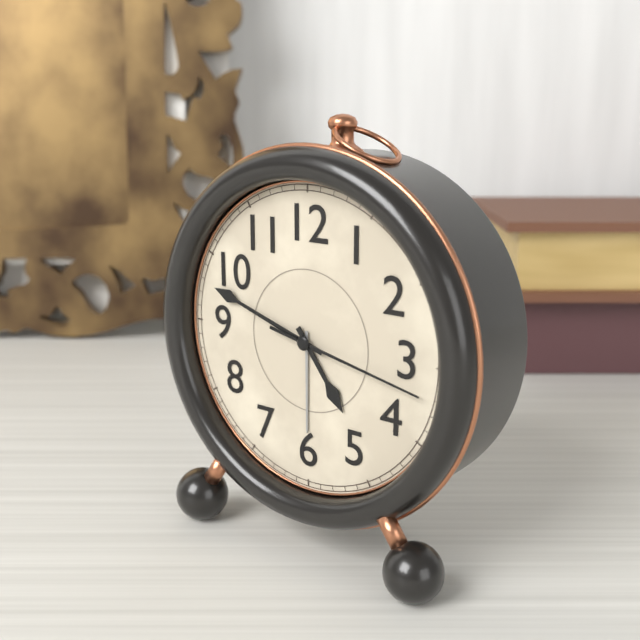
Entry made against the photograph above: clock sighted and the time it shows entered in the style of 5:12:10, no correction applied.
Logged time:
4:48:17
